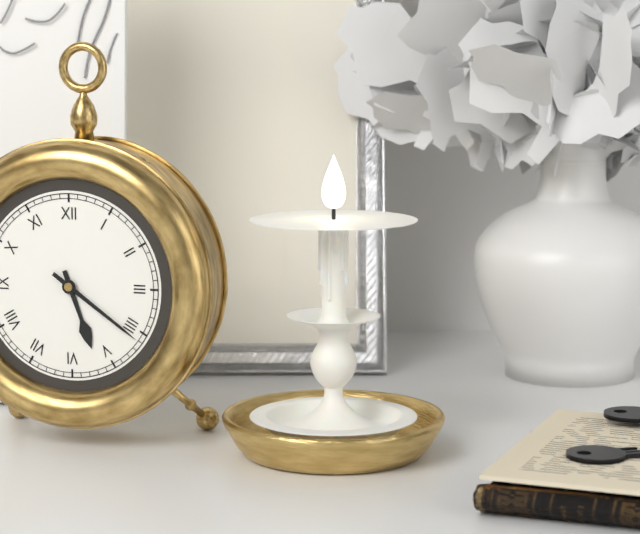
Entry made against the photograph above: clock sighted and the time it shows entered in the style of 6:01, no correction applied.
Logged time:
5:21
